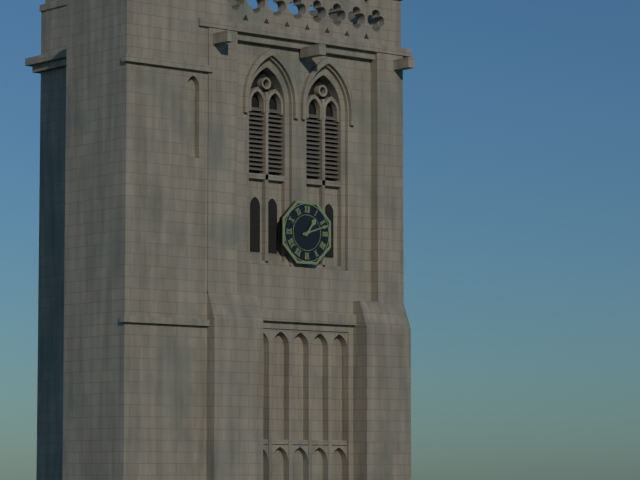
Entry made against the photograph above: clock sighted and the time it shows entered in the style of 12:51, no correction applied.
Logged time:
1:12
